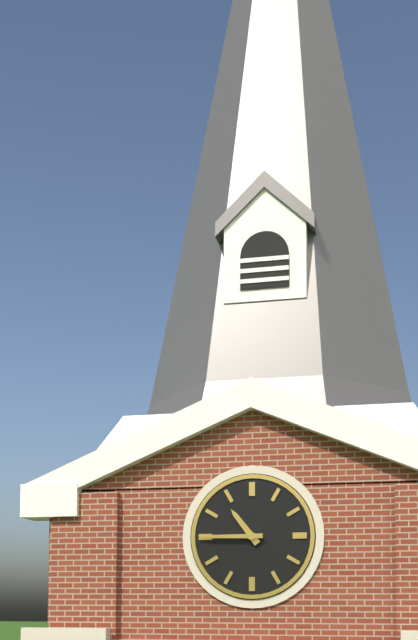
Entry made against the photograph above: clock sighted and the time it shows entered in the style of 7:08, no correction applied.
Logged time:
10:45
